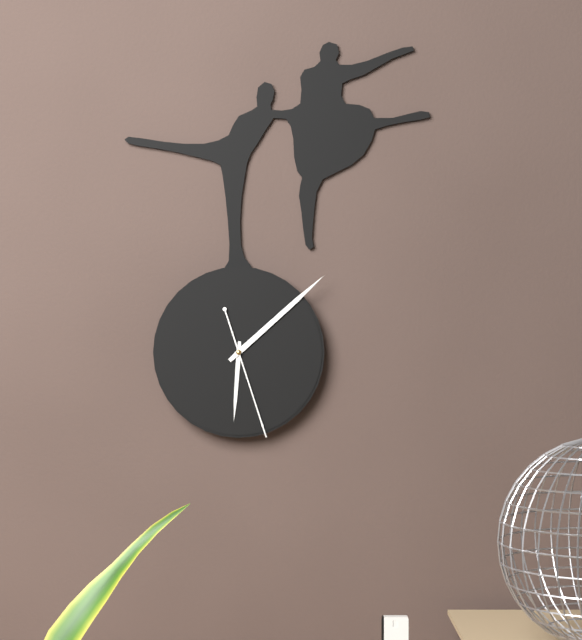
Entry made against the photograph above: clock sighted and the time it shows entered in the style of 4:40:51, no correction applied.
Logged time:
6:08:27
